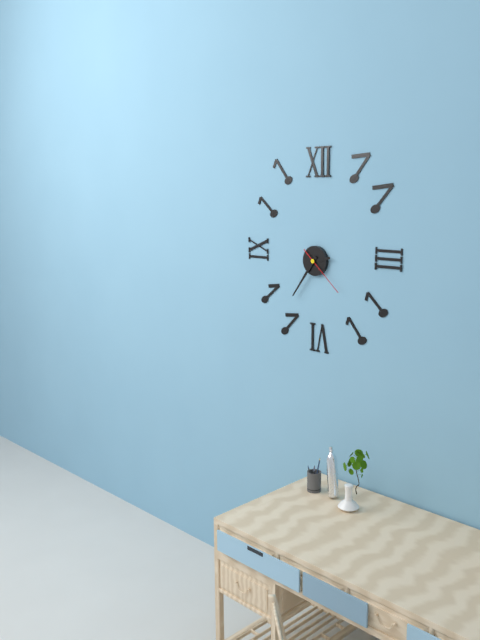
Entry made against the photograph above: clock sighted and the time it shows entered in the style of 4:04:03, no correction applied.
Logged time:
2:36:22
